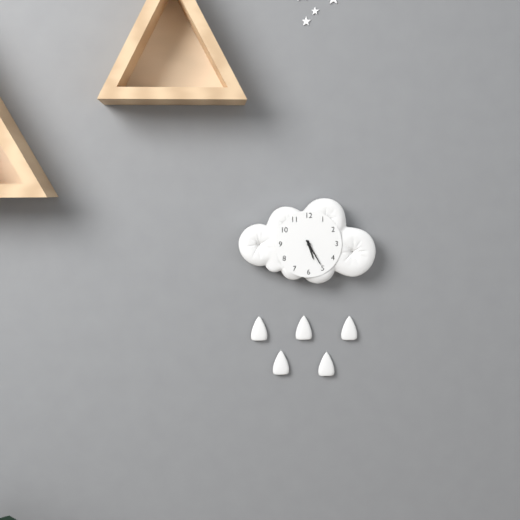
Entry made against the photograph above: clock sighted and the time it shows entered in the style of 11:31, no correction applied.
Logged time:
5:25
